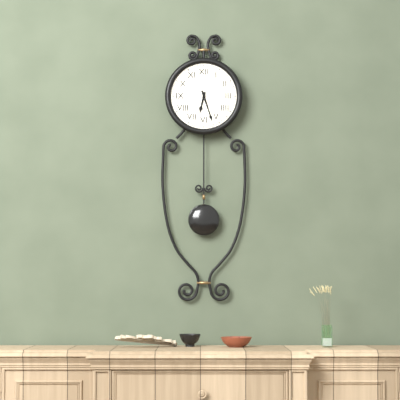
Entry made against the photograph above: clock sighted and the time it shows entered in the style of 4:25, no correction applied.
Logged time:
6:27
